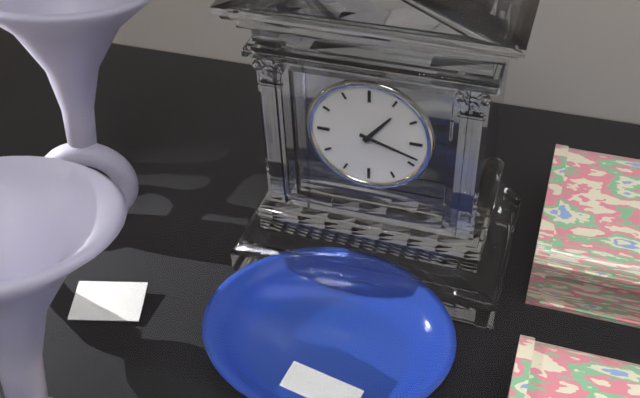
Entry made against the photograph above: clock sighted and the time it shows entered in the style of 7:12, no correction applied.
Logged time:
1:18
